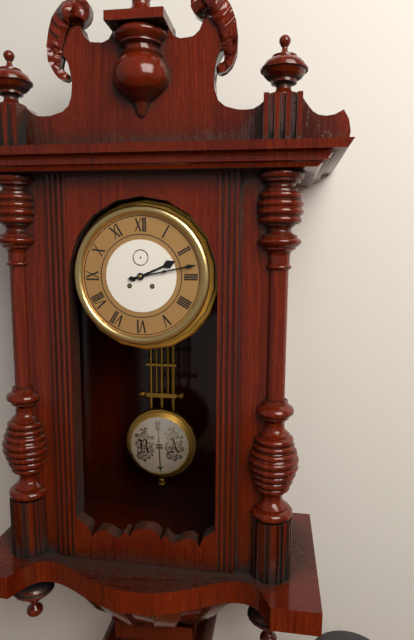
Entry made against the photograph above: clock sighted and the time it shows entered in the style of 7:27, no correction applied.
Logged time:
2:13
